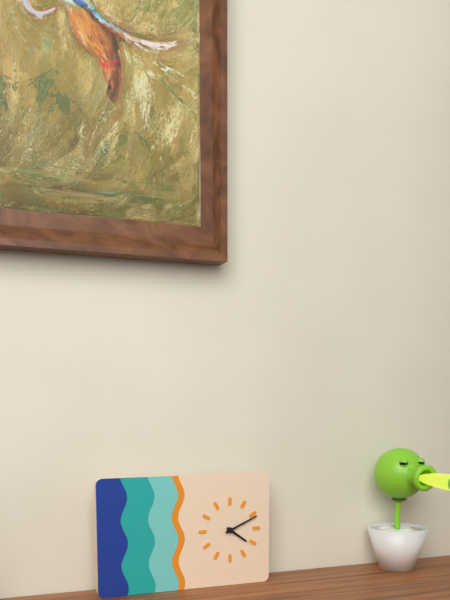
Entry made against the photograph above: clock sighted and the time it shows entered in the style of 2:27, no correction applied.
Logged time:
4:11
